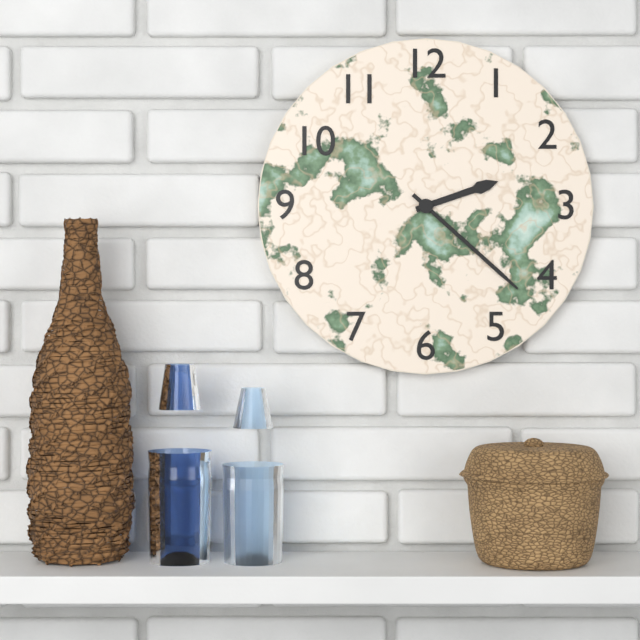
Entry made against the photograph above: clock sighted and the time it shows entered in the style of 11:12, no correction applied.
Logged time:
2:22
